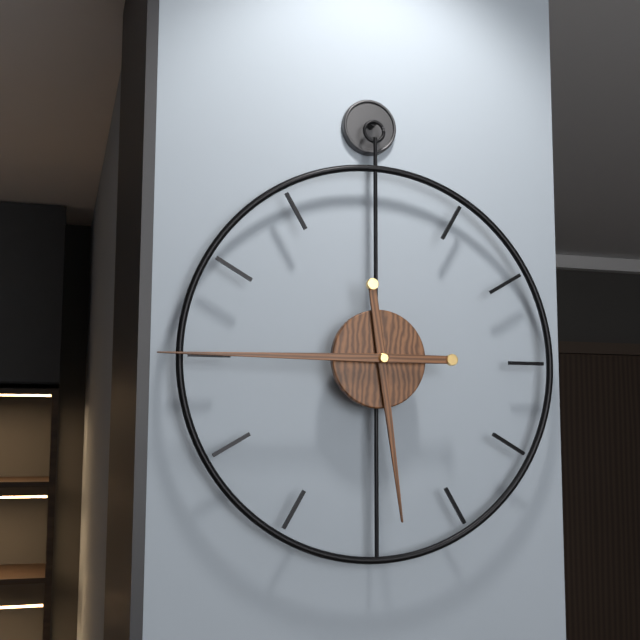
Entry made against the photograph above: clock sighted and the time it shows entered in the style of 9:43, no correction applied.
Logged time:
5:45
